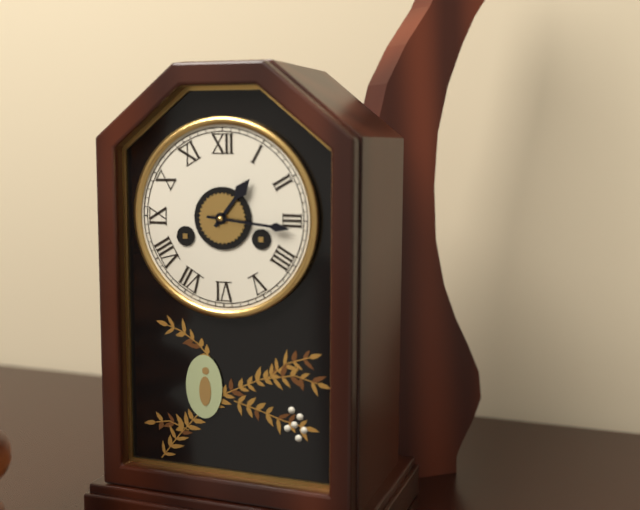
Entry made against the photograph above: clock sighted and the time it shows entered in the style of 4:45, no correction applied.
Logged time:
1:16
